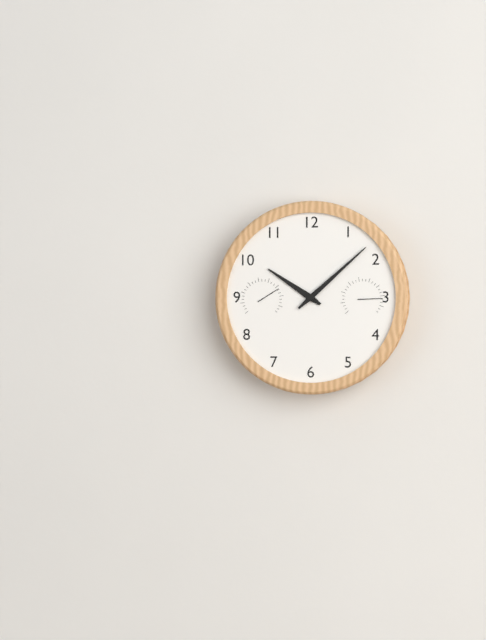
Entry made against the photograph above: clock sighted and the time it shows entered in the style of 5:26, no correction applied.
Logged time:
10:08
